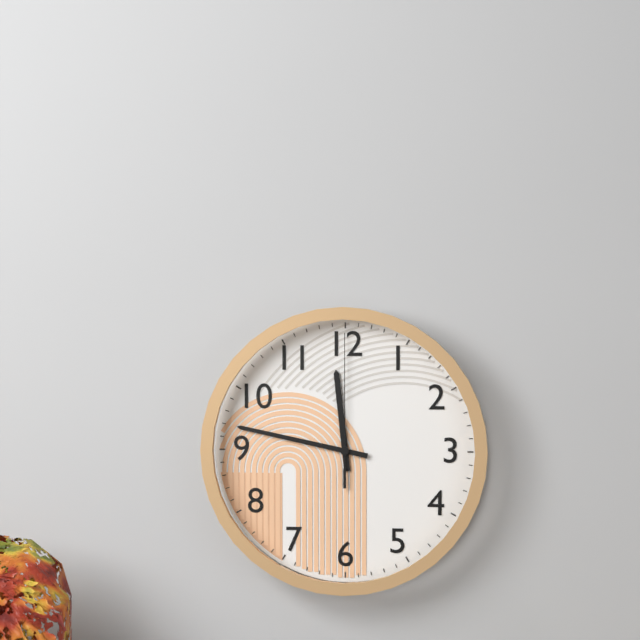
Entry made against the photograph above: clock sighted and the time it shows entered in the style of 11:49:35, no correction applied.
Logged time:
11:47:00
